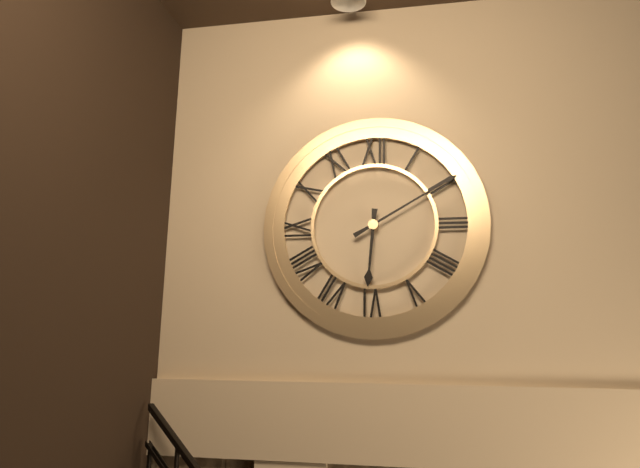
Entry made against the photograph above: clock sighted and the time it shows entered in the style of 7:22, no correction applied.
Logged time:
6:10
